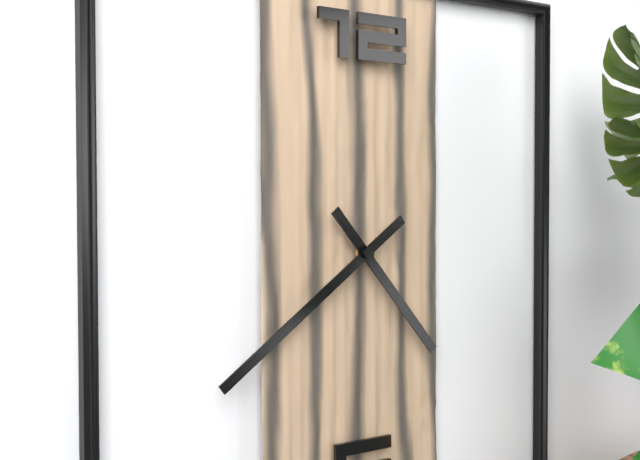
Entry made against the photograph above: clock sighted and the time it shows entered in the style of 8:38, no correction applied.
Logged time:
4:39
